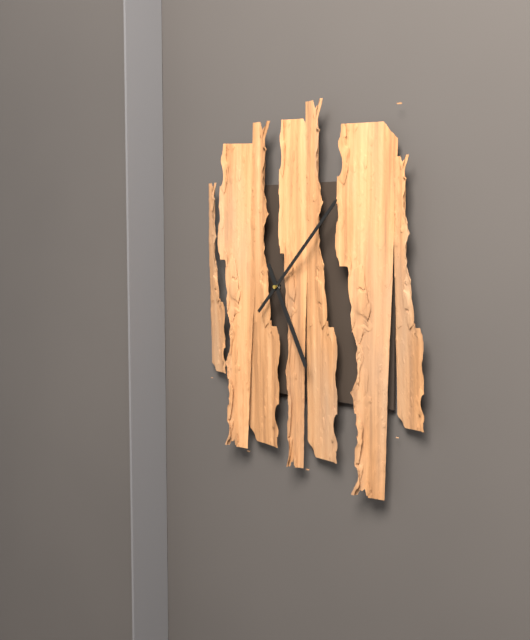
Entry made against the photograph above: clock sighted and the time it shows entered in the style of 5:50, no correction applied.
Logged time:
5:07
